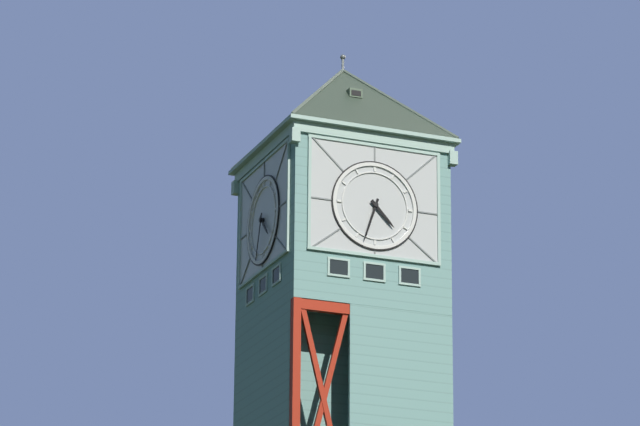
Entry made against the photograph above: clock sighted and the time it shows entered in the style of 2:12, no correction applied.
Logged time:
4:33
